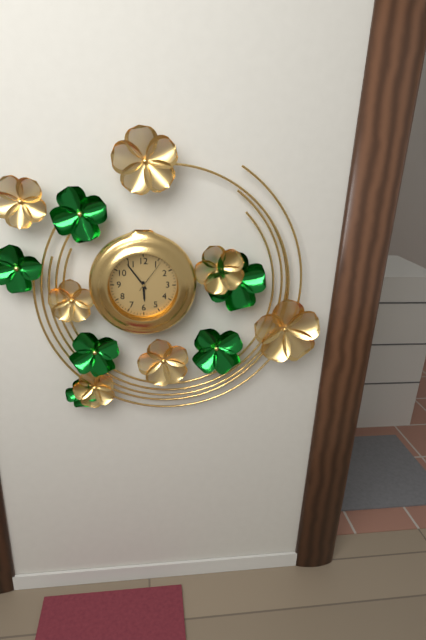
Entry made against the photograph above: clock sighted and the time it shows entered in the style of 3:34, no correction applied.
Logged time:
5:54
